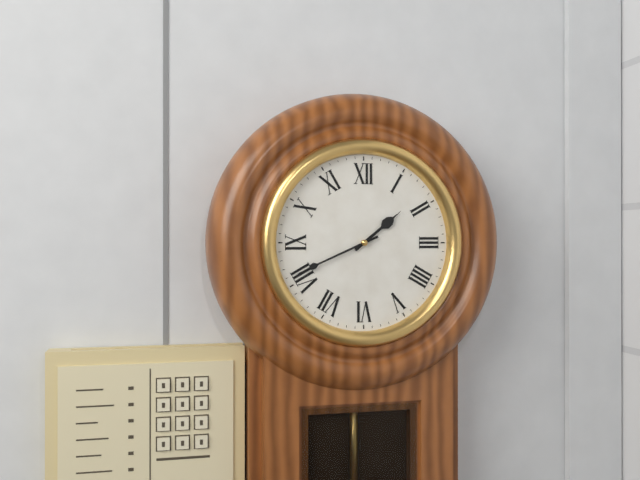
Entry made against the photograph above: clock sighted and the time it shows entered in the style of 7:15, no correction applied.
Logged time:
1:41
